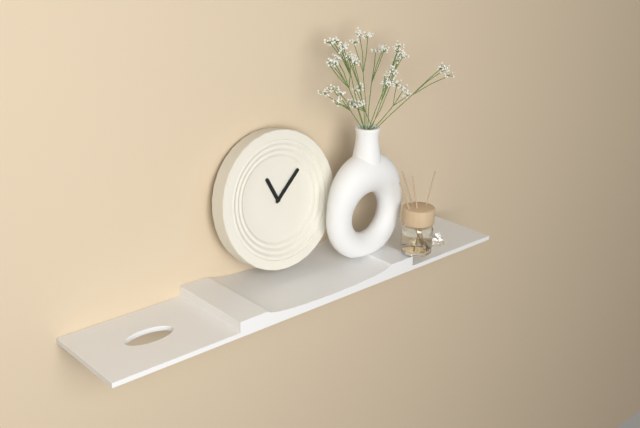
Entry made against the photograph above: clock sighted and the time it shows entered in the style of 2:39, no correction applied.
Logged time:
11:08
